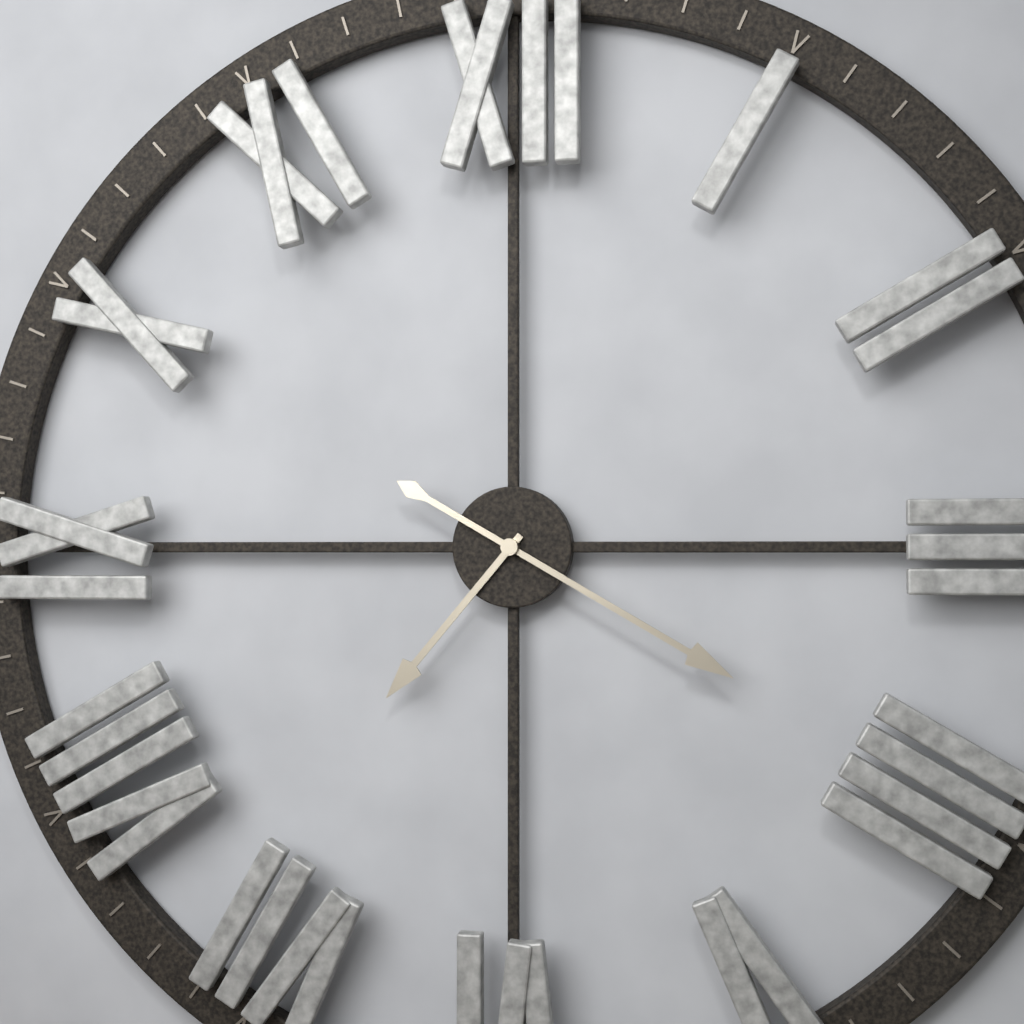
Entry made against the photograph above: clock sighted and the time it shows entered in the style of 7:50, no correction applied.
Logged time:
7:20
